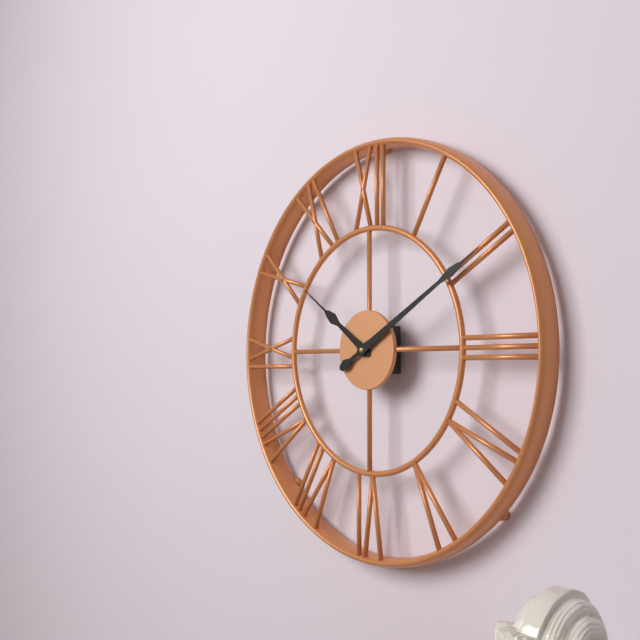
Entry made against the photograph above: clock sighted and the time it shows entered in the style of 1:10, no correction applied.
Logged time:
10:10
